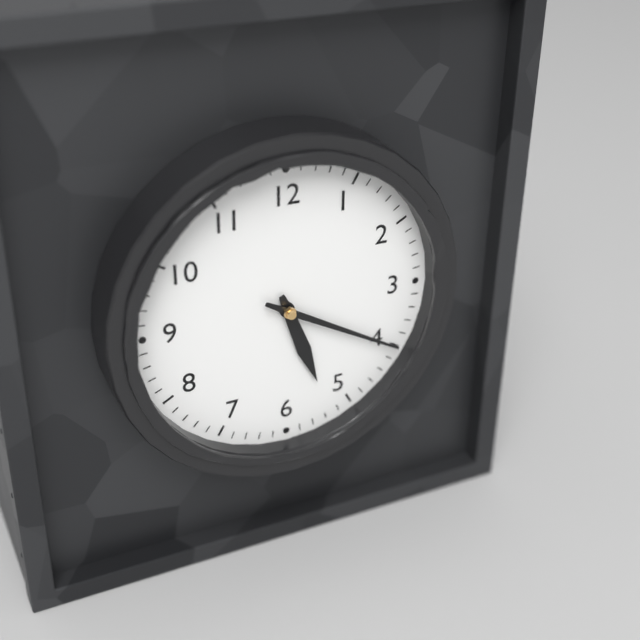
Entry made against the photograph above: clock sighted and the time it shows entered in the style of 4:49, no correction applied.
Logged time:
5:20
